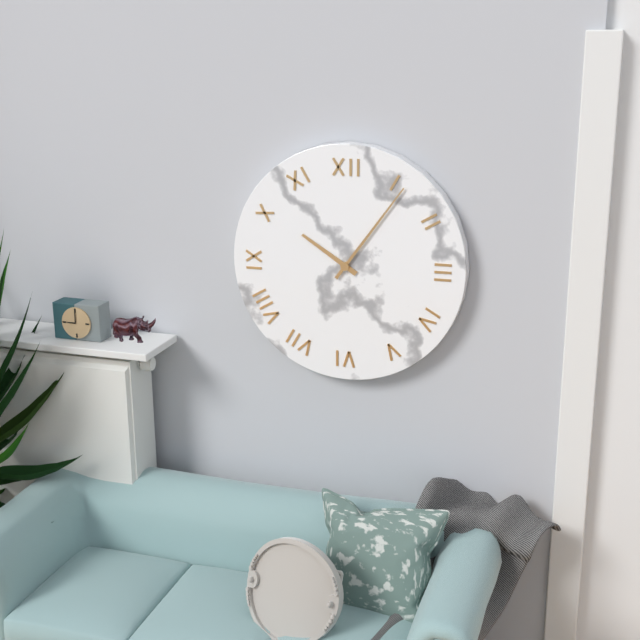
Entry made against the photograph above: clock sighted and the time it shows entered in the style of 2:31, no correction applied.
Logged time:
10:06
